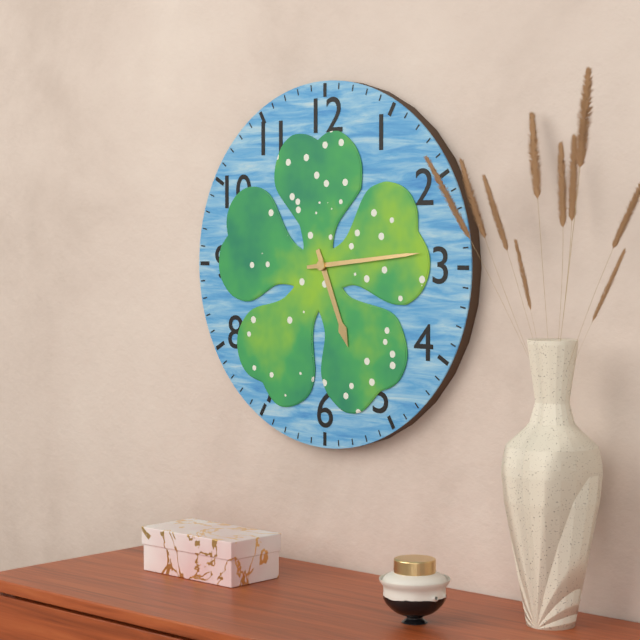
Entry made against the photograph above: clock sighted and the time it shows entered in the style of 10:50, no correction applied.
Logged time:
5:14
